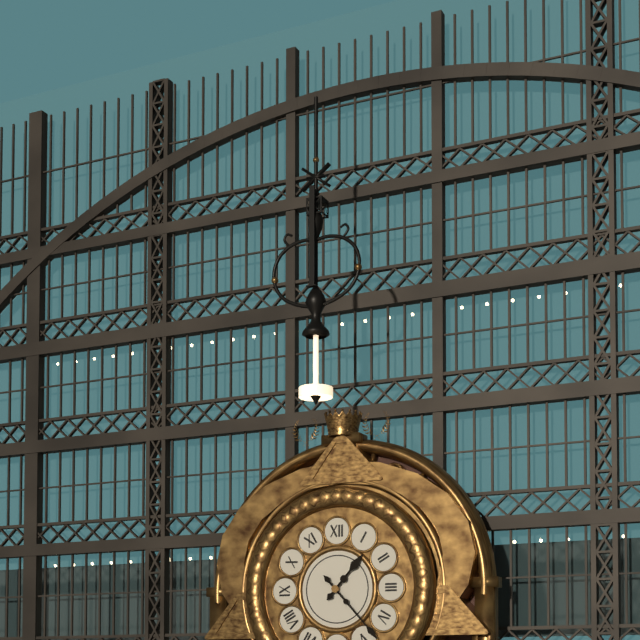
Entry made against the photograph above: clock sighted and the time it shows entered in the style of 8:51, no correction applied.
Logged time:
1:23
